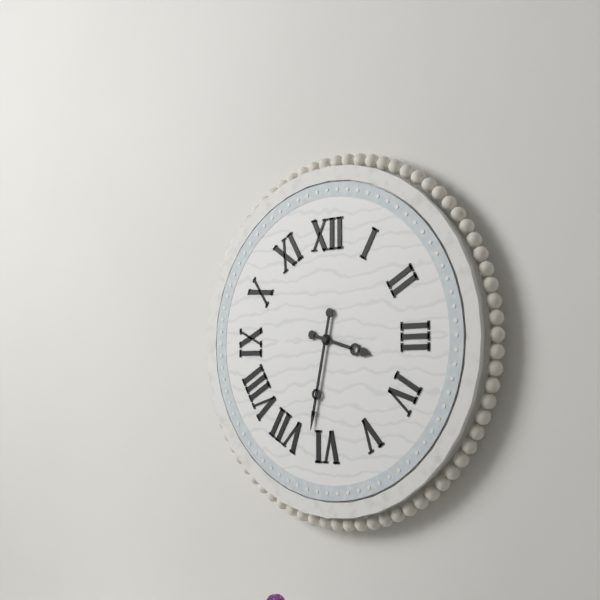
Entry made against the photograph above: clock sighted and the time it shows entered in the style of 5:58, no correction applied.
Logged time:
3:32
